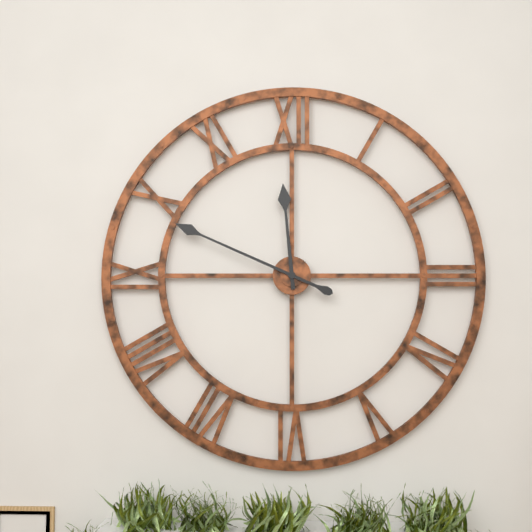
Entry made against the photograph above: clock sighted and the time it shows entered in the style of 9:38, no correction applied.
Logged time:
11:49
